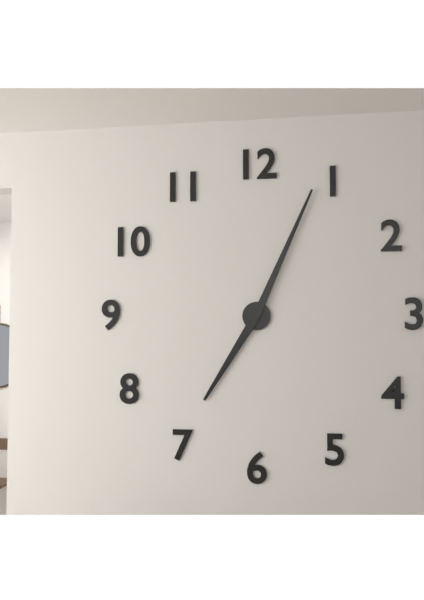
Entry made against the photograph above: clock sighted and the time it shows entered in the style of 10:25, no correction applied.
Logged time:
7:04
